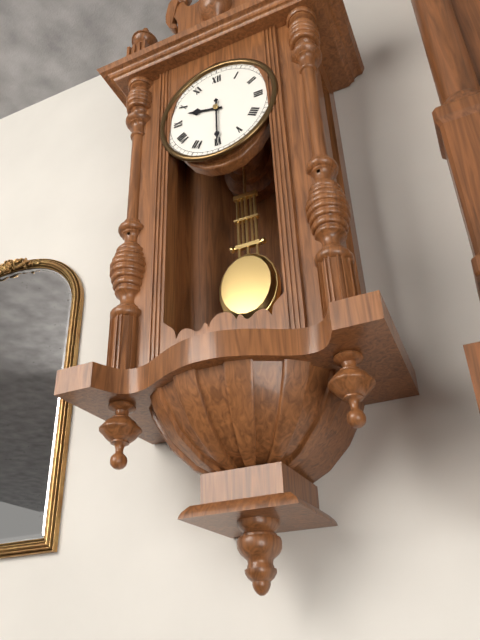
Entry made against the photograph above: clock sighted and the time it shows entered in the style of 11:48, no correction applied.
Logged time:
9:30
